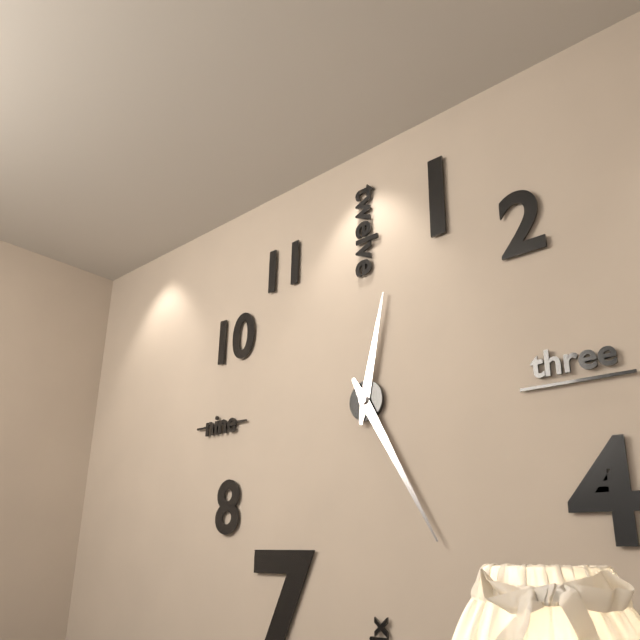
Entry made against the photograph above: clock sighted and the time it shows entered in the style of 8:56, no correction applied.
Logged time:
12:25
